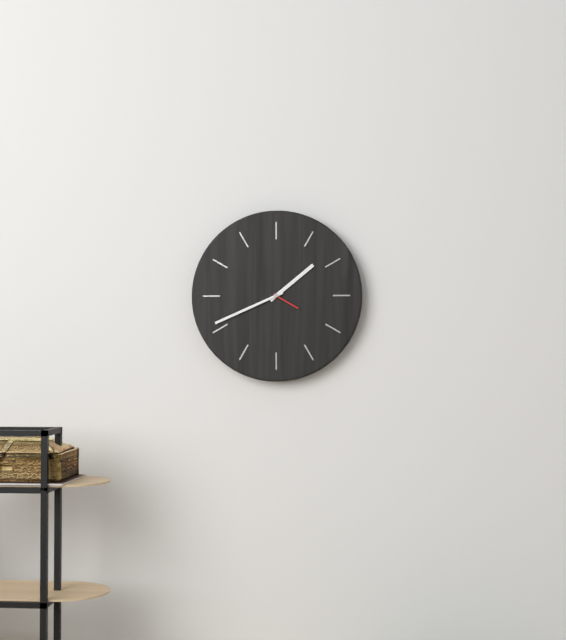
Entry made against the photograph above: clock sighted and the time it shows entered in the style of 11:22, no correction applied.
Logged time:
1:41
